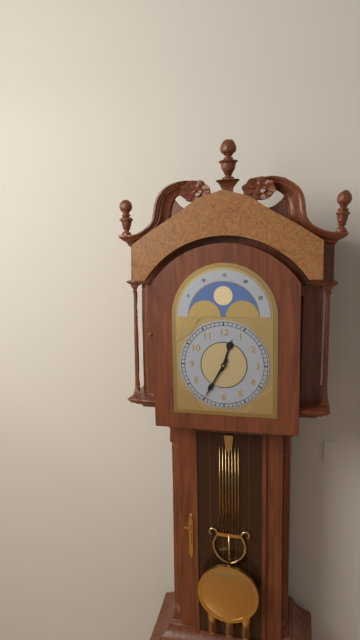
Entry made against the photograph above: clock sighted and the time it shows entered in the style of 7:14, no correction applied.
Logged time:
12:35
